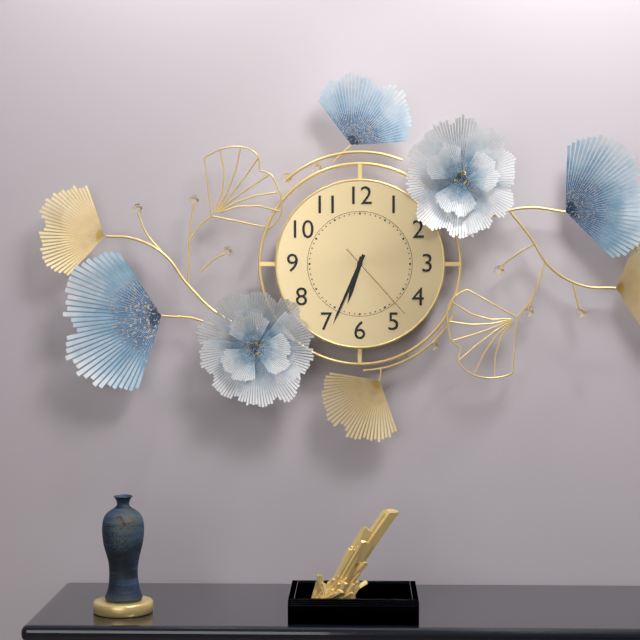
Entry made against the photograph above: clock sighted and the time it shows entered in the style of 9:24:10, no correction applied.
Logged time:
6:34:23
